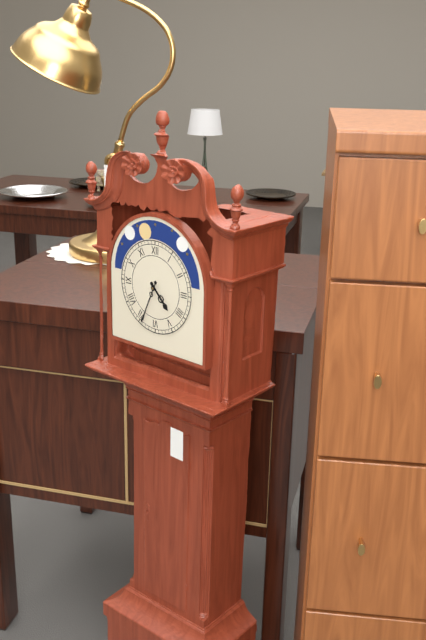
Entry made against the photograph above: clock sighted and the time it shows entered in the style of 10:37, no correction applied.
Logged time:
4:34
